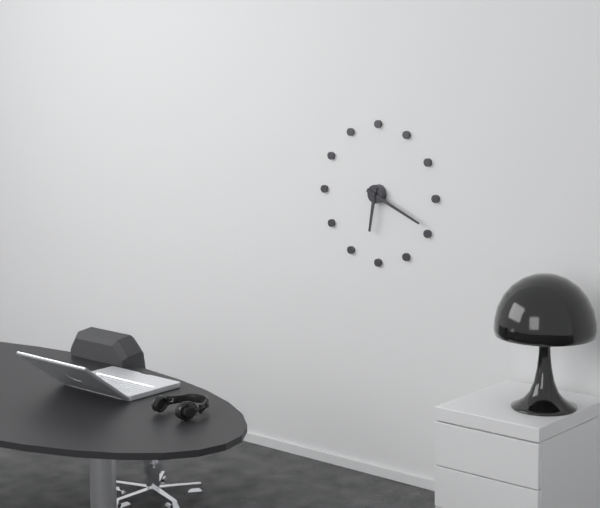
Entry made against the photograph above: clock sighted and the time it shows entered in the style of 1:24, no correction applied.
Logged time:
6:19
